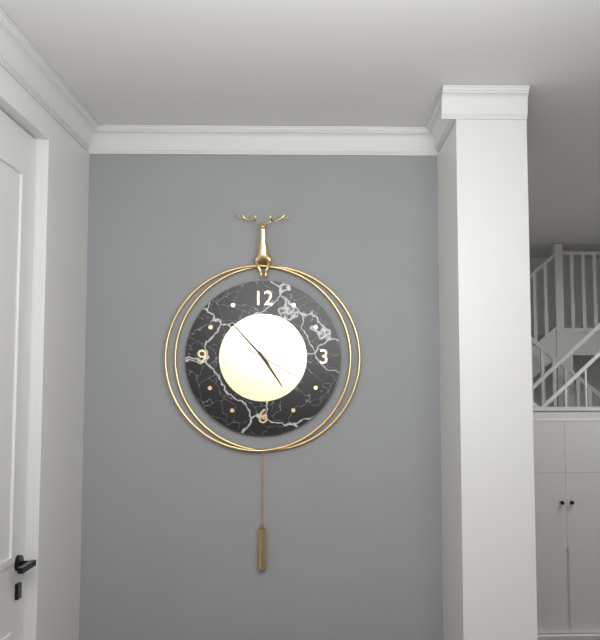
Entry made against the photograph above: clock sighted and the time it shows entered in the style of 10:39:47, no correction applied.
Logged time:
4:53:20
